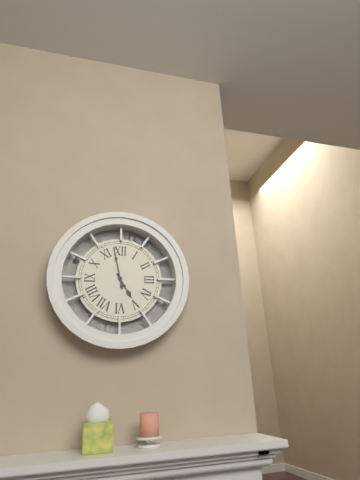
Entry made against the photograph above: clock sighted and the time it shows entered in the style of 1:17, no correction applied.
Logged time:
4:58
